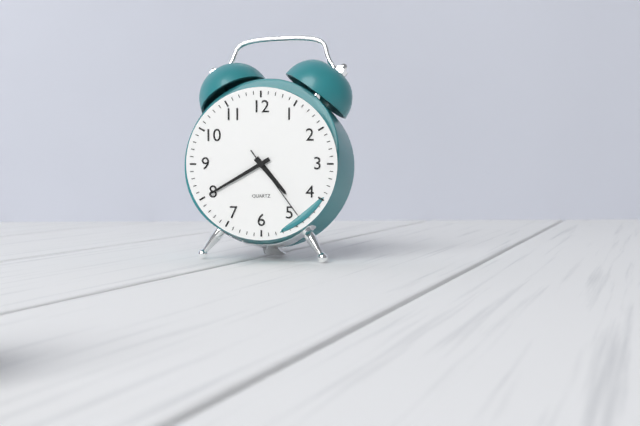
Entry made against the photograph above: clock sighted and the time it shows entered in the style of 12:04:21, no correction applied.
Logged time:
4:40:24
